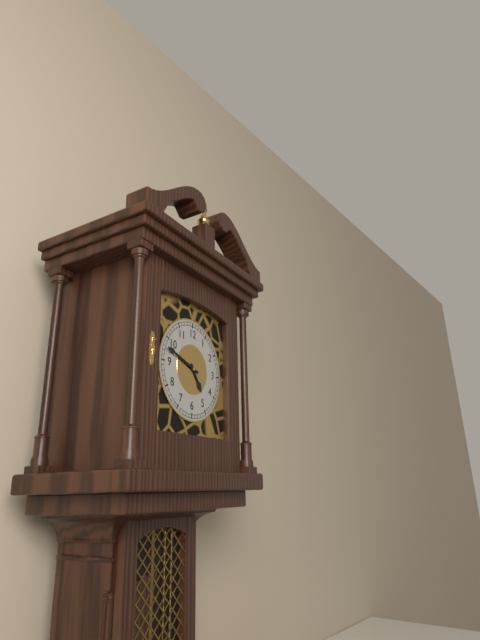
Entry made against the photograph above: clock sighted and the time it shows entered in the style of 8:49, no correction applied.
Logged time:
4:48
